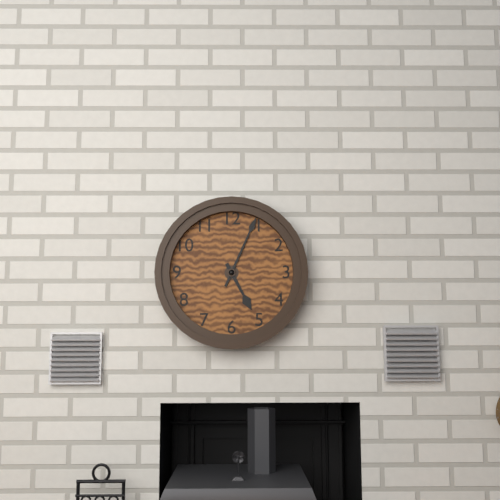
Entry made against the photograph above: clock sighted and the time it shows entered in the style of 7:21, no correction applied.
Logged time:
5:04
